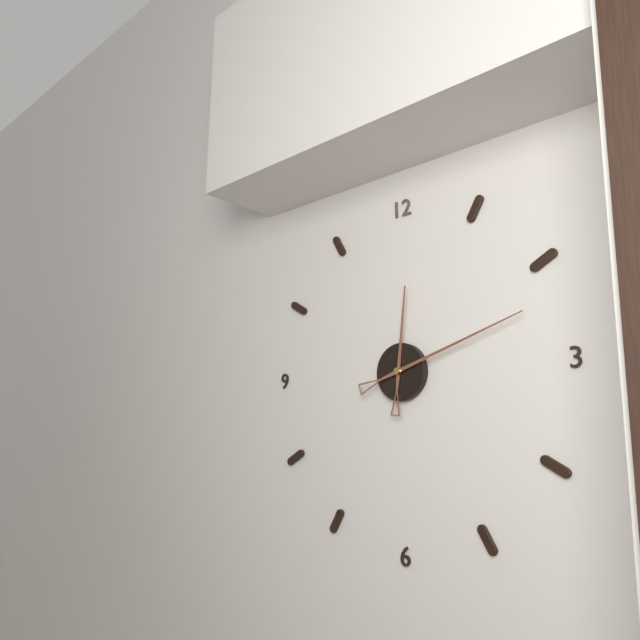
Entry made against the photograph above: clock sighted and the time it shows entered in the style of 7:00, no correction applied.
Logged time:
12:12
